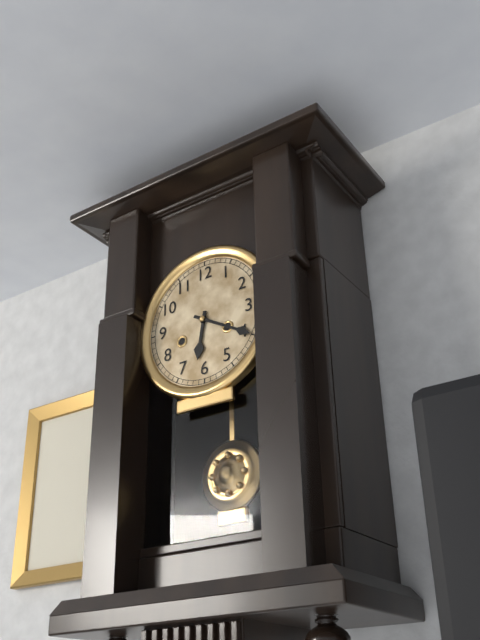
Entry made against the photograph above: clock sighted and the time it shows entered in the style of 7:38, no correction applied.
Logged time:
6:20
